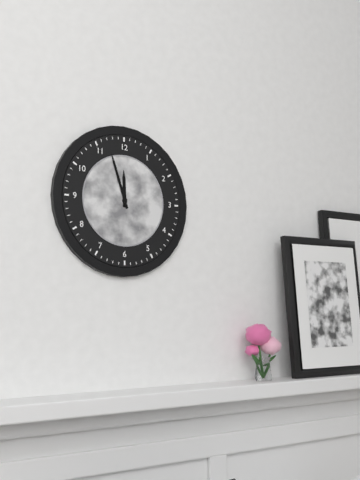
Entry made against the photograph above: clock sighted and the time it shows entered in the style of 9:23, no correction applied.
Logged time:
11:57
